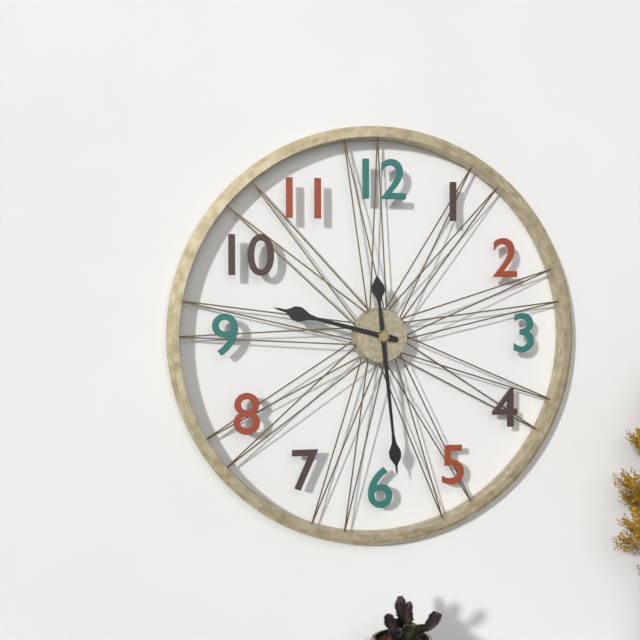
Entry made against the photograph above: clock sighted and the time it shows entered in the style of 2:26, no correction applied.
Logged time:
9:29
